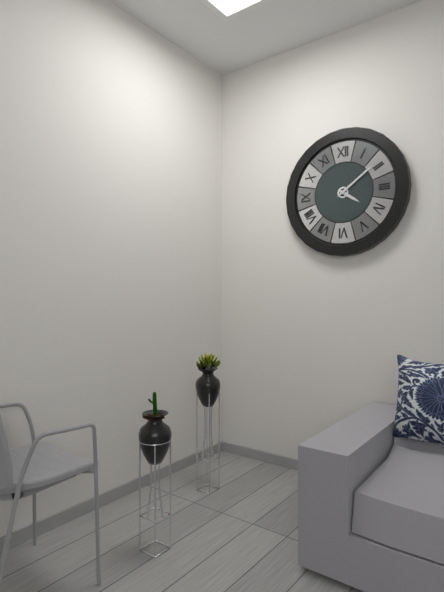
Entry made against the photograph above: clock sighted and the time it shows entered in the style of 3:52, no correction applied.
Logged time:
4:09
